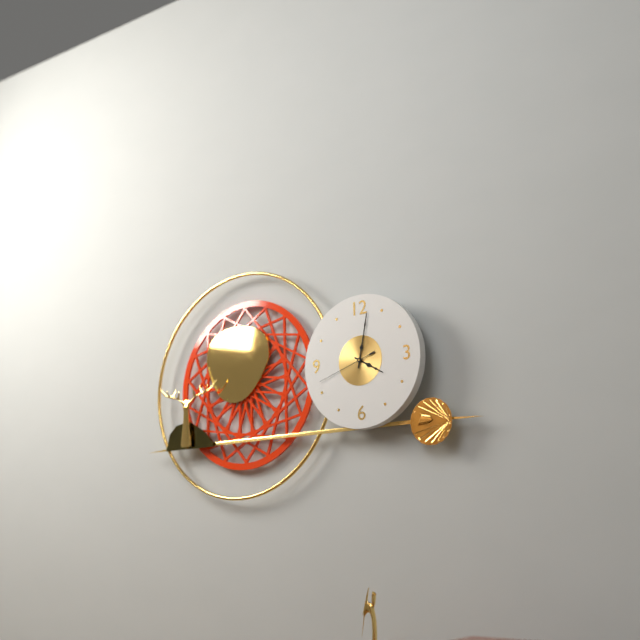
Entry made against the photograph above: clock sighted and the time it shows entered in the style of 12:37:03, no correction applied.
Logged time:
4:02:42
